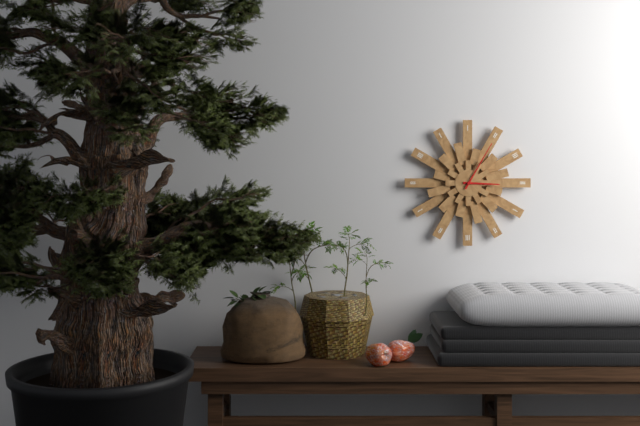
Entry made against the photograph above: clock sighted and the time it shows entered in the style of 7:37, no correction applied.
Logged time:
3:05
